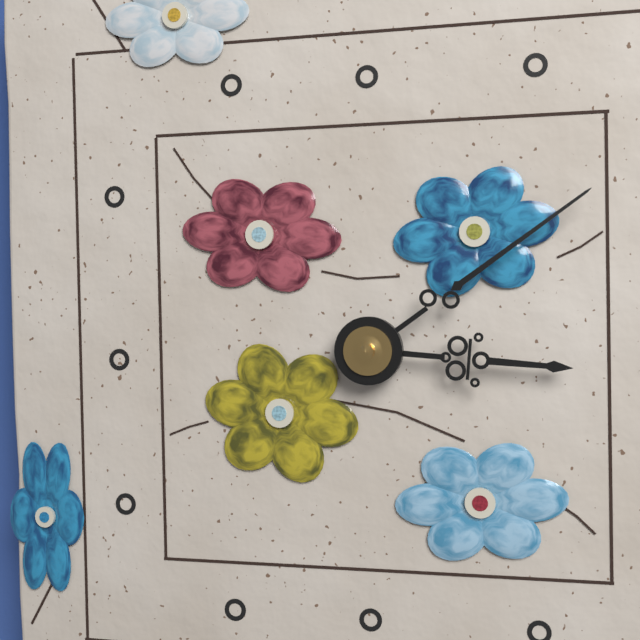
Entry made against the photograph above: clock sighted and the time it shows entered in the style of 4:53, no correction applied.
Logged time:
3:09
